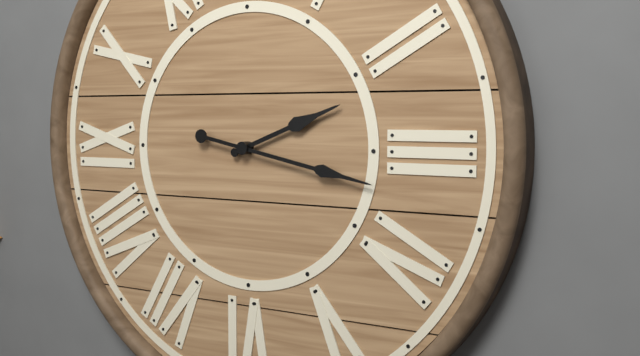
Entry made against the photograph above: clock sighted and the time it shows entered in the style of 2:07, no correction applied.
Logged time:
2:17
